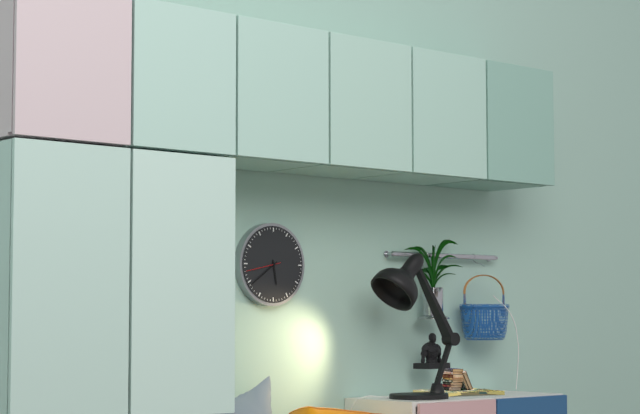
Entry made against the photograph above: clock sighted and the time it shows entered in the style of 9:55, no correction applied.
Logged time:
5:39
